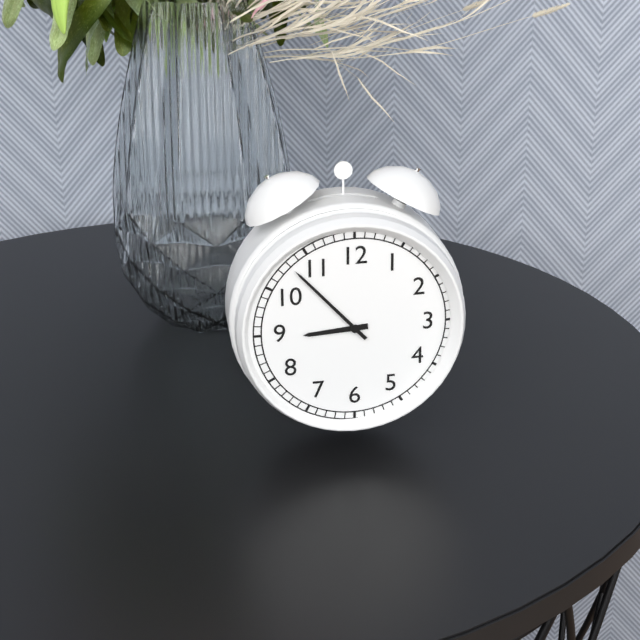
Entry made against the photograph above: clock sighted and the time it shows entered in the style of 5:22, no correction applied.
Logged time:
8:53
